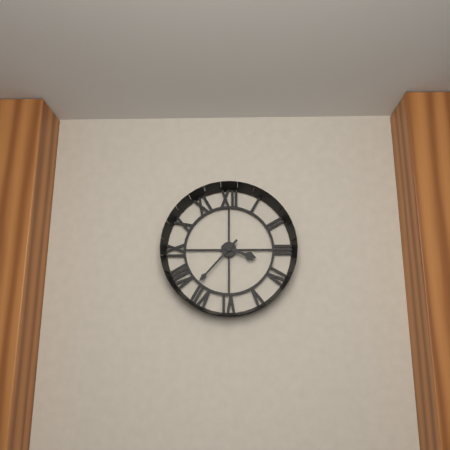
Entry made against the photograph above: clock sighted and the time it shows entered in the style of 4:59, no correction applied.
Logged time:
3:37
